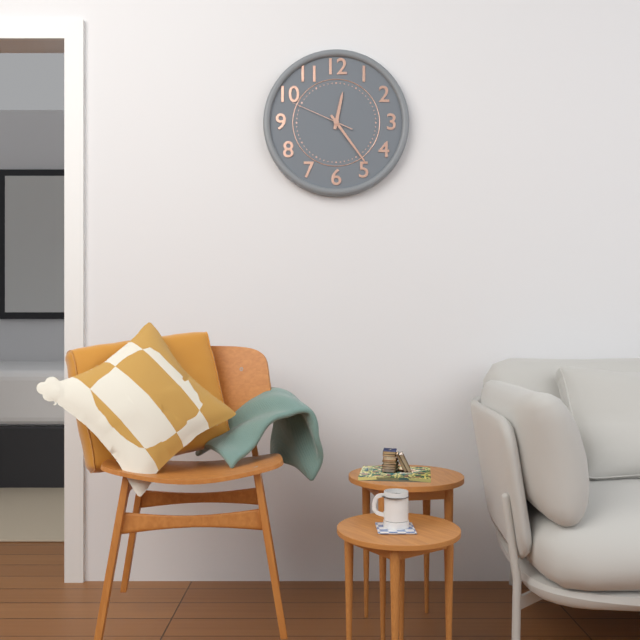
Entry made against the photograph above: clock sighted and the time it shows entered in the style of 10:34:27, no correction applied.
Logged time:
12:24:49
